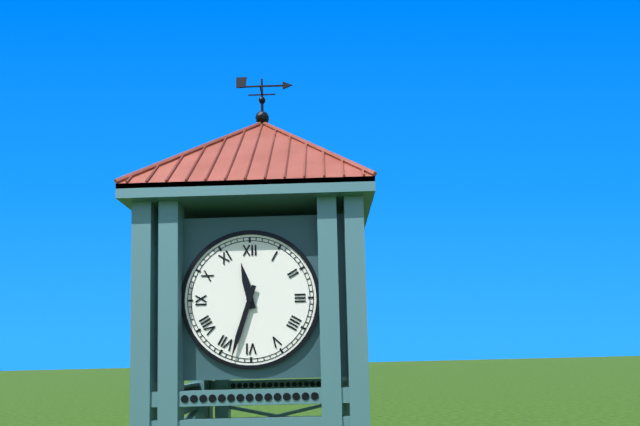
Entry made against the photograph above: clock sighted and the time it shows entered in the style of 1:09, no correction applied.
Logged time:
11:33
